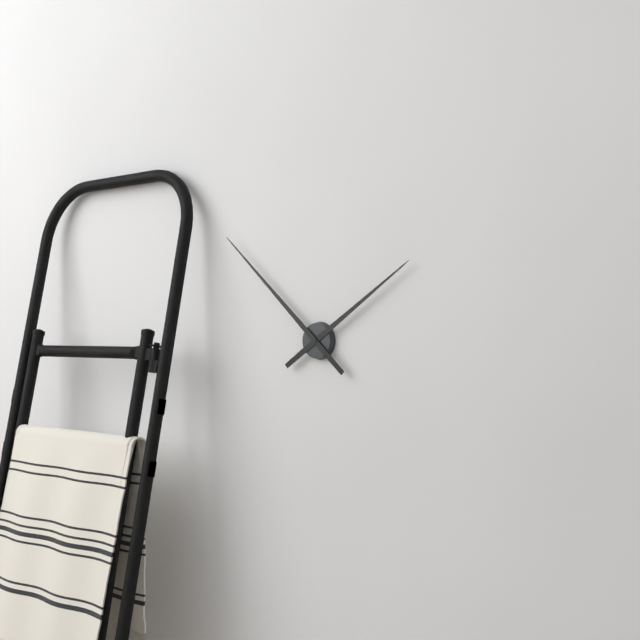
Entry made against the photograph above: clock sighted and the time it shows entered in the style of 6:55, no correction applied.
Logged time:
1:52
